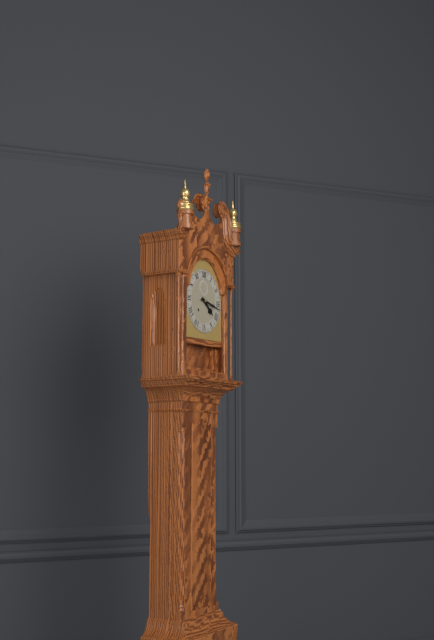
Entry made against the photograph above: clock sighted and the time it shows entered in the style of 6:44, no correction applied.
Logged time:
4:17
